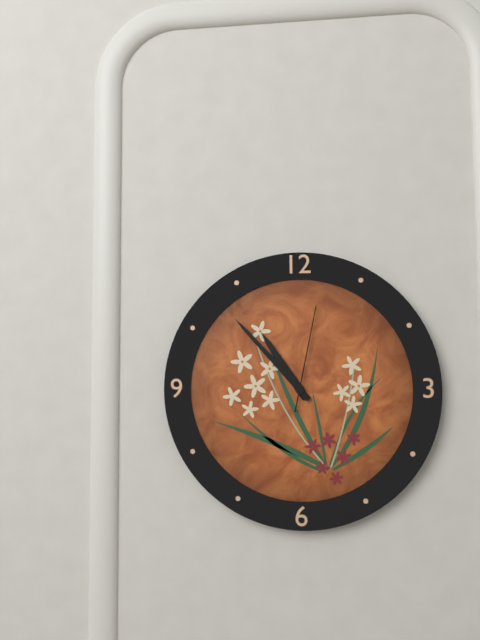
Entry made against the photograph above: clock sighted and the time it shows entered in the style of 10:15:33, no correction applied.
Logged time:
10:53:02
